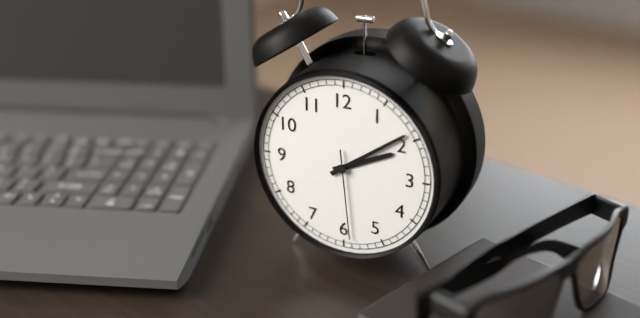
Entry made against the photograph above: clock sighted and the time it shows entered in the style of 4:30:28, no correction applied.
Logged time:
2:09:29
